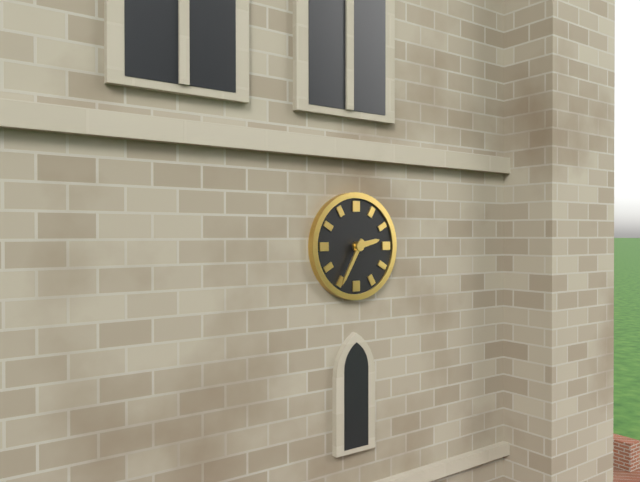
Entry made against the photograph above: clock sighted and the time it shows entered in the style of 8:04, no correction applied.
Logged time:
2:35
